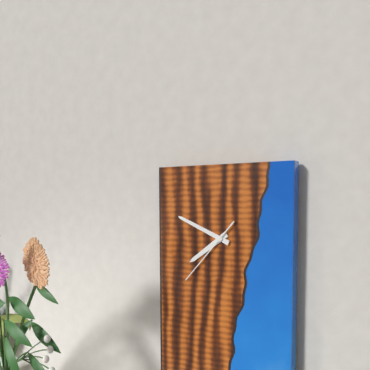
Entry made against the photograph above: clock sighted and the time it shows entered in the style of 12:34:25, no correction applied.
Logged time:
7:49:37
